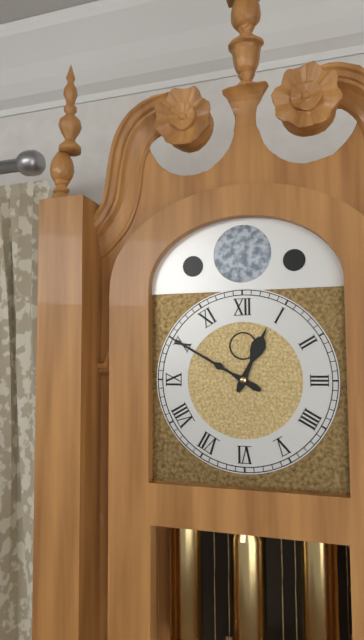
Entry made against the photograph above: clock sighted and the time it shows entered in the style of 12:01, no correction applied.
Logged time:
12:50
